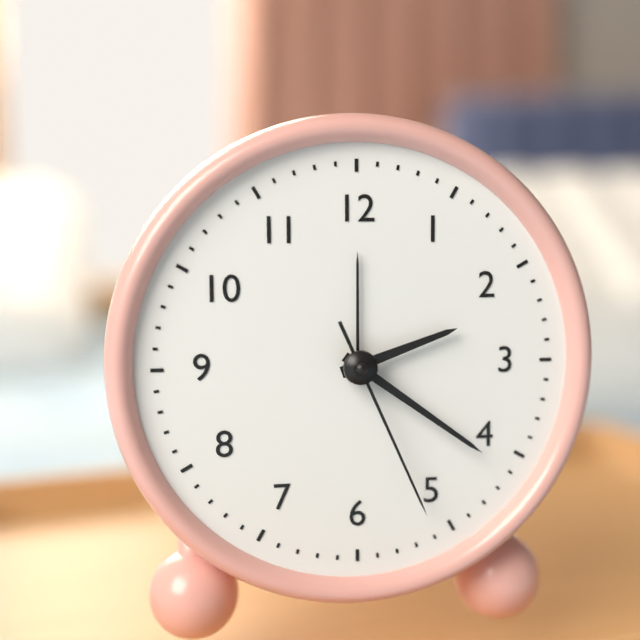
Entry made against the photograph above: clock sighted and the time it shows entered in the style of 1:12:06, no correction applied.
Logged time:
2:21:26
